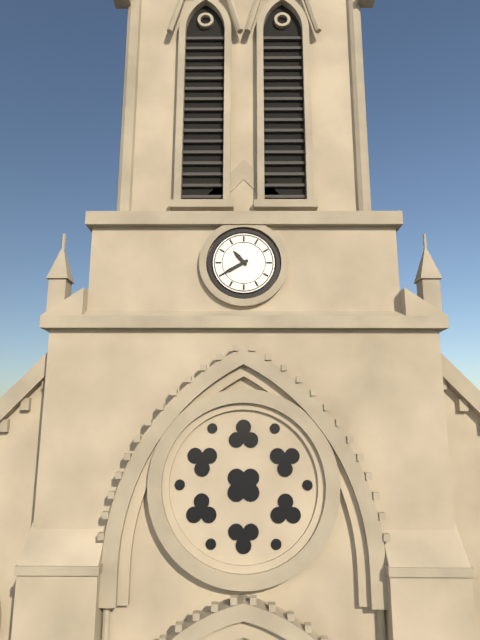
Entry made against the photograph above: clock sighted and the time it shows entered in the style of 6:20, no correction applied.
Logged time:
10:40
